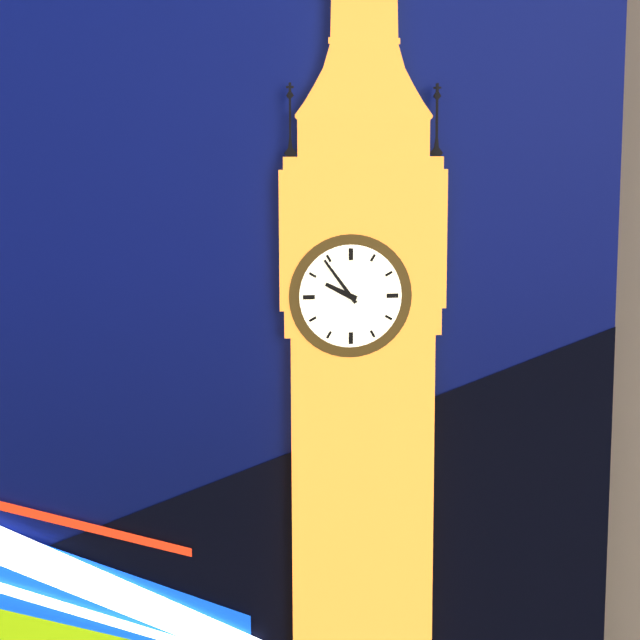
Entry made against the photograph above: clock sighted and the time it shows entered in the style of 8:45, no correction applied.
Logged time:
9:54
